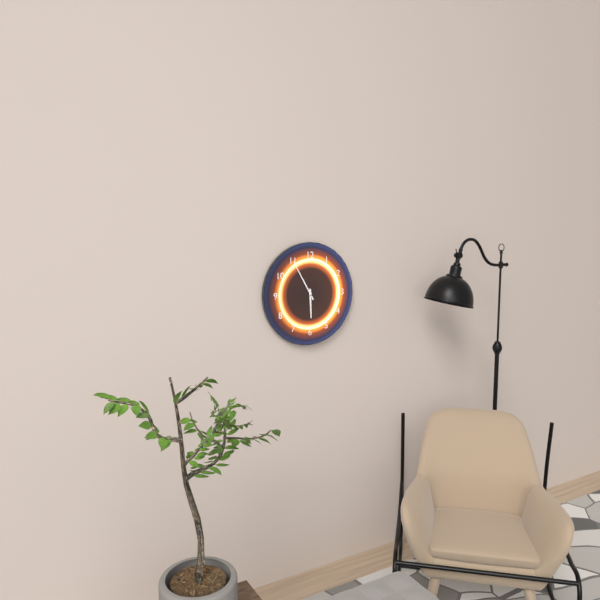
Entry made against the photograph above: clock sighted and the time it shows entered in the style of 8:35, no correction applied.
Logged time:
5:55
